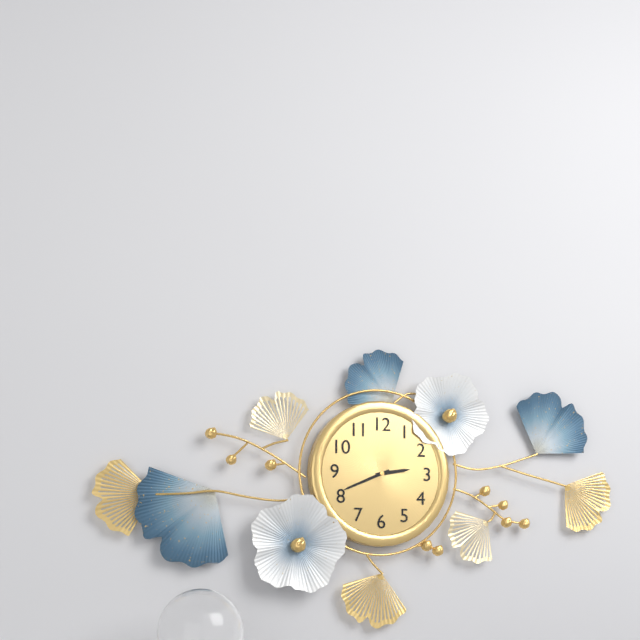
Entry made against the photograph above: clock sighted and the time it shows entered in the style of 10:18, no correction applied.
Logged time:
2:41
